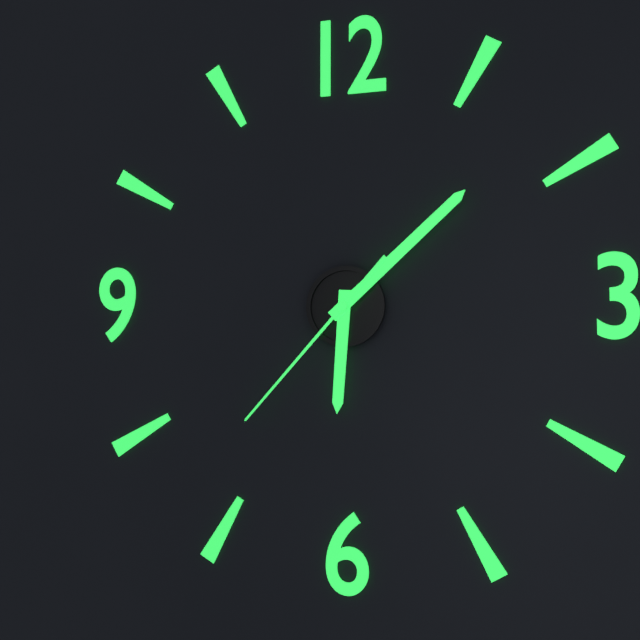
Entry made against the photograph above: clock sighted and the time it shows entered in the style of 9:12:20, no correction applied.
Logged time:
6:08:37
